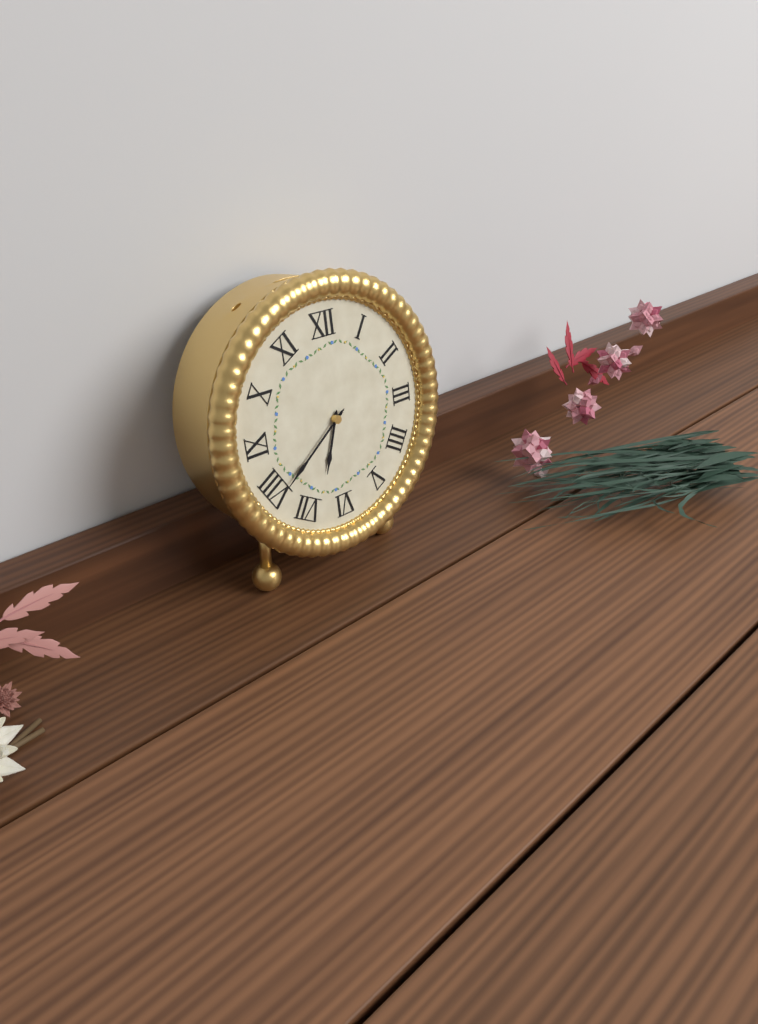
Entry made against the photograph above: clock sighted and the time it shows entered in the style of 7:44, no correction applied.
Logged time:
6:39
